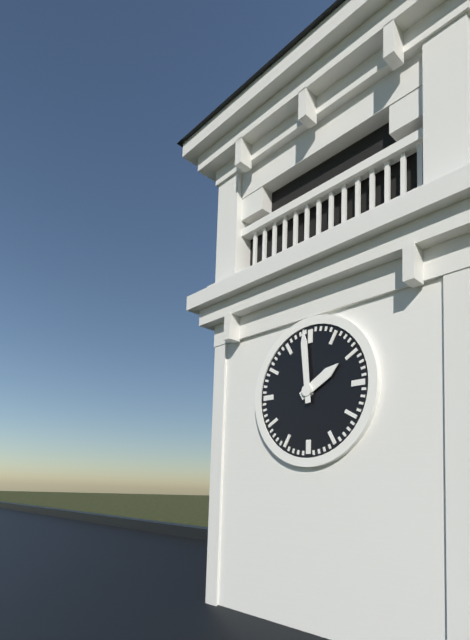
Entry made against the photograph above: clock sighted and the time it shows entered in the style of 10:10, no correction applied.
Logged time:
1:59
